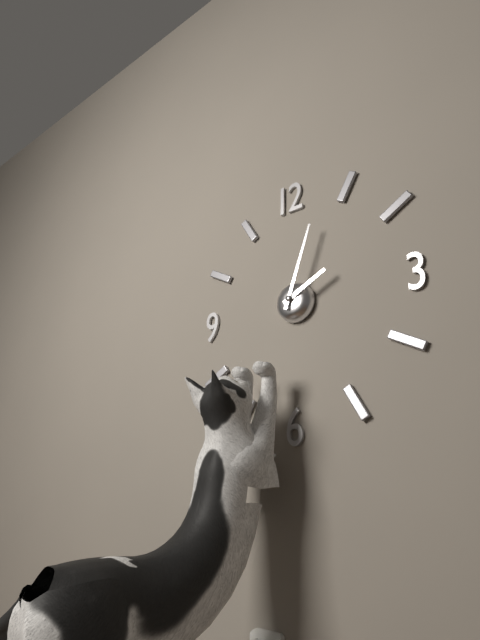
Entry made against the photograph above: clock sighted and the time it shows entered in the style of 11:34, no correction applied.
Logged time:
2:03
